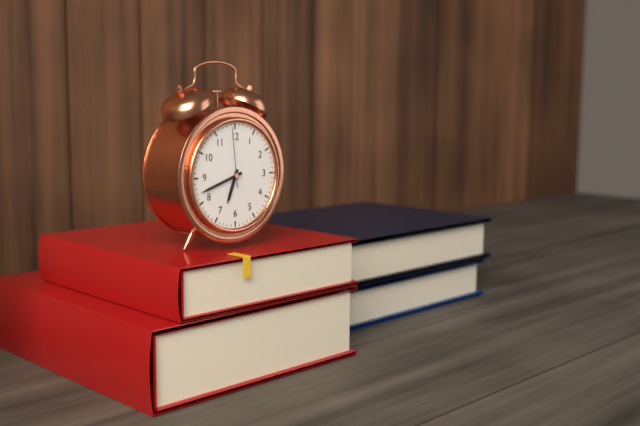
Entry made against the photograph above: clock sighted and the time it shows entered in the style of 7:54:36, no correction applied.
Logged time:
6:42:59
